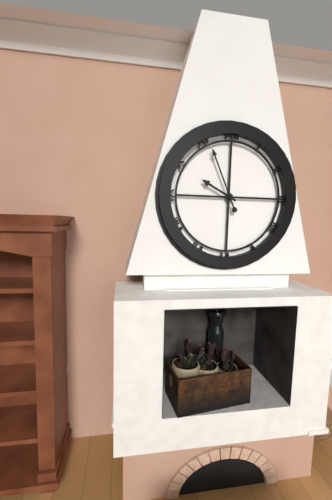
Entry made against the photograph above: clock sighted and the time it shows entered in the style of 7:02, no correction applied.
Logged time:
9:56
